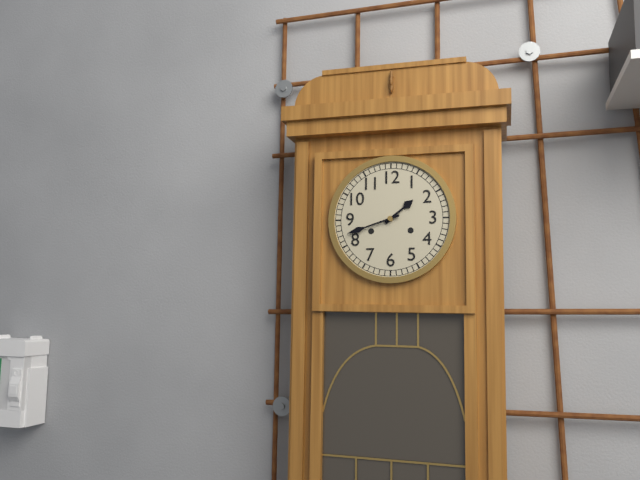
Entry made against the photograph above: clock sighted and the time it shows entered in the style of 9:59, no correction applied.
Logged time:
1:42
